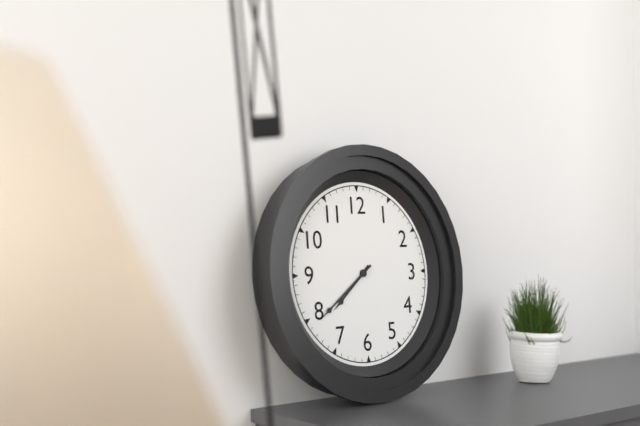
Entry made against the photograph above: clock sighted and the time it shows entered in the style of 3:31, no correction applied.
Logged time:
7:39
